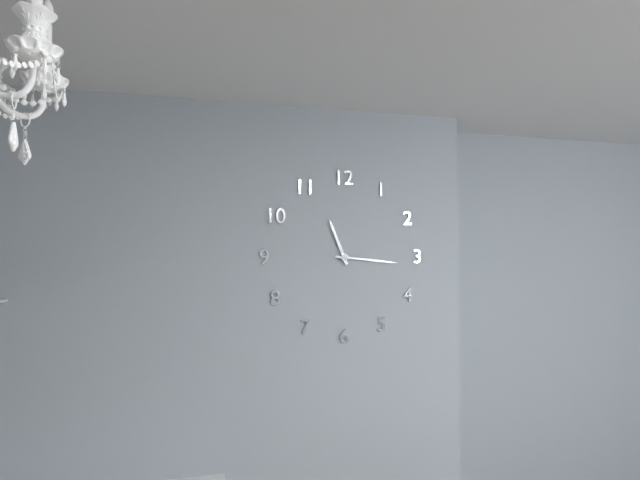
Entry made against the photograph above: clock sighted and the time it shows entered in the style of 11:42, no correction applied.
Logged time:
11:16
